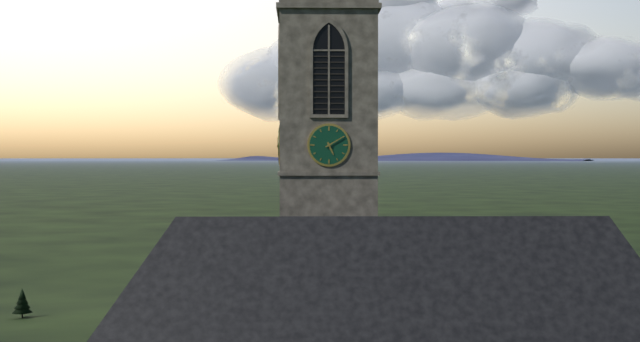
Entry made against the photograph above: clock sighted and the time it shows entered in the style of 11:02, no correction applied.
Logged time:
5:10
